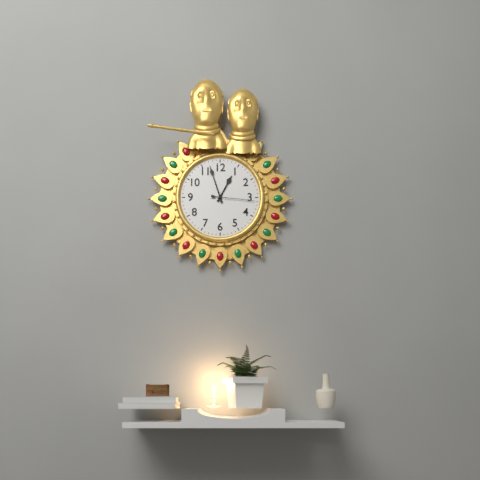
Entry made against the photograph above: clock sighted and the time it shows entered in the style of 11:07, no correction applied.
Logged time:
12:57
